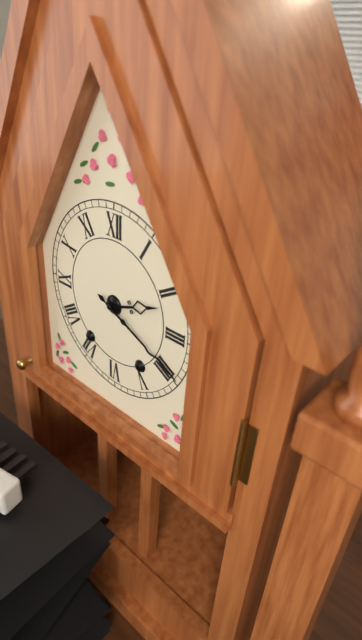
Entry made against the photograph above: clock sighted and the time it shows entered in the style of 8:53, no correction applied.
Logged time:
2:19
